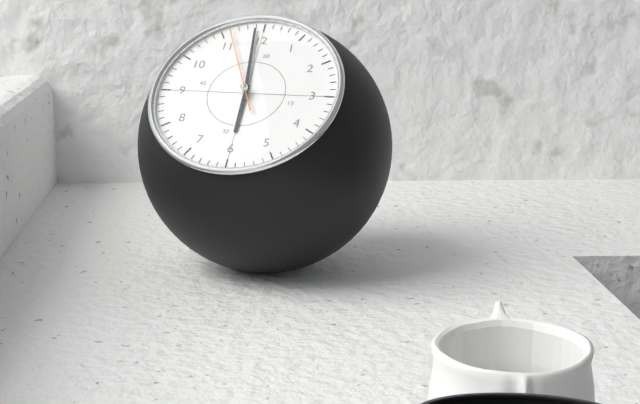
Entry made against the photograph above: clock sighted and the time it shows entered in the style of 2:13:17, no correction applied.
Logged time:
5:59:56
